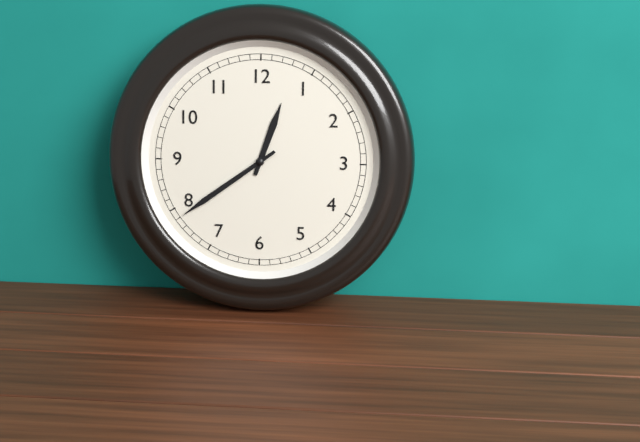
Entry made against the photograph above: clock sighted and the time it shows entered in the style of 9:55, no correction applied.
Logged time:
12:39
